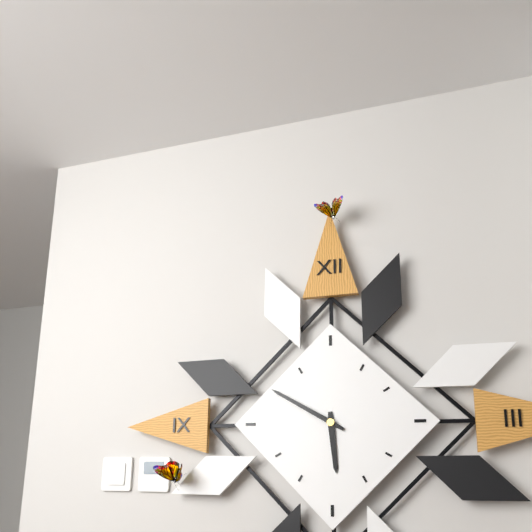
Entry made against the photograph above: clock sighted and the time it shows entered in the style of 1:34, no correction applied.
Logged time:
5:50
